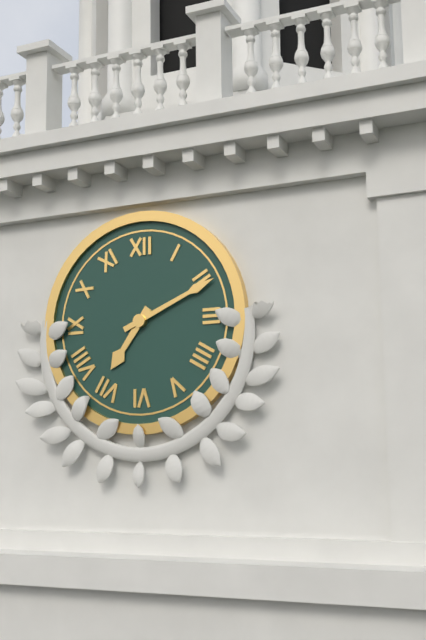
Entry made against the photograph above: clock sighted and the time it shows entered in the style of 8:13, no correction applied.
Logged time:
7:11
